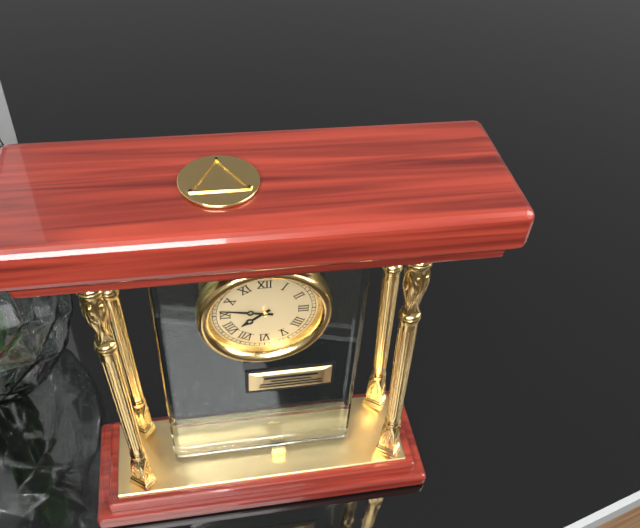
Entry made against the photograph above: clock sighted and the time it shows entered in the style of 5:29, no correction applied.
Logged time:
7:47
